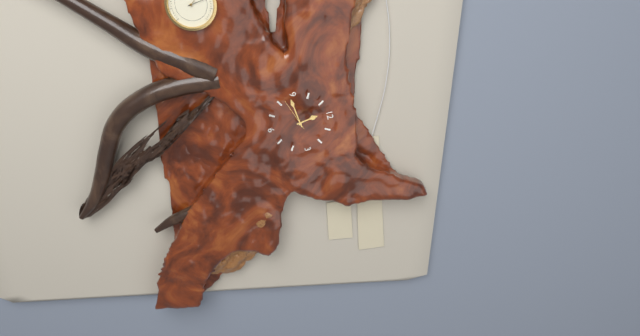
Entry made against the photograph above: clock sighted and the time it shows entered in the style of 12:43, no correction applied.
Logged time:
11:44
